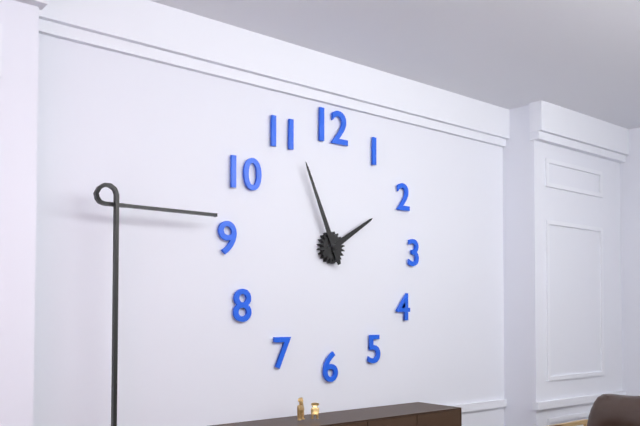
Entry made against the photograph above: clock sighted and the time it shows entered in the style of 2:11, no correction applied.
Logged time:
1:56
